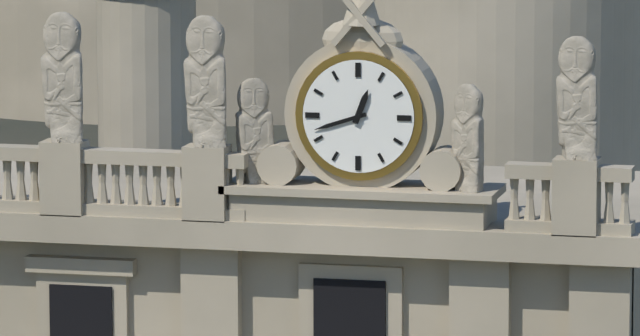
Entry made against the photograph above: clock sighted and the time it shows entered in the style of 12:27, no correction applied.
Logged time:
12:42
